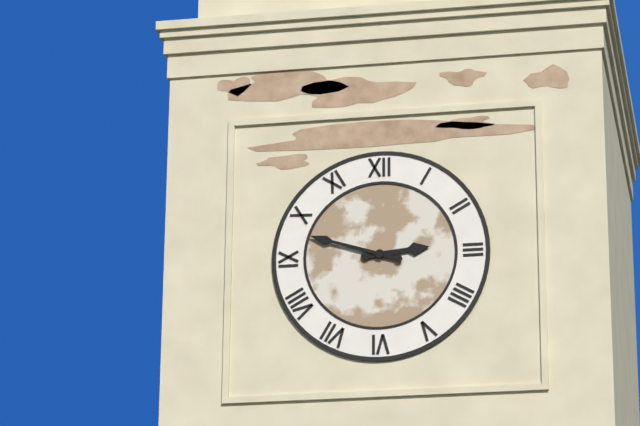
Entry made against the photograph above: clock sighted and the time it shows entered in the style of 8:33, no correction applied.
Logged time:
2:48
